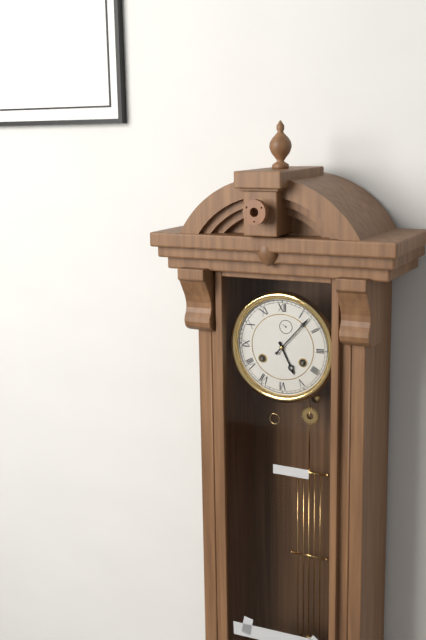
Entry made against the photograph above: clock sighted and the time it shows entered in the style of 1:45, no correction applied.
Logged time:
5:07
